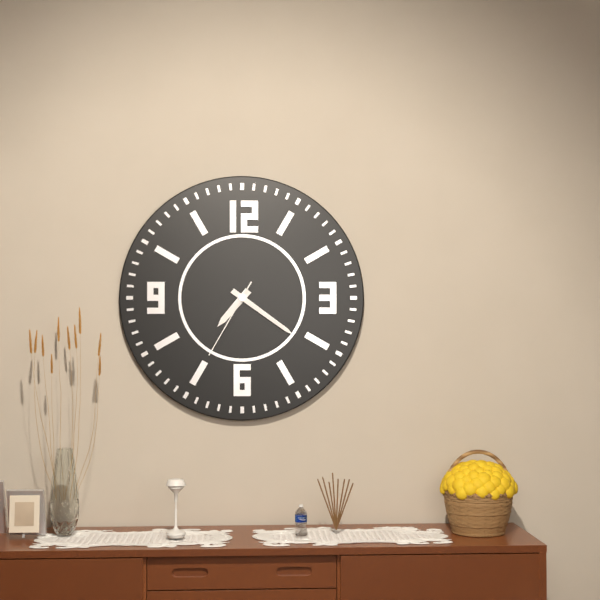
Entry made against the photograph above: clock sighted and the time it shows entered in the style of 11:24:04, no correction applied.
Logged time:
7:21:35
